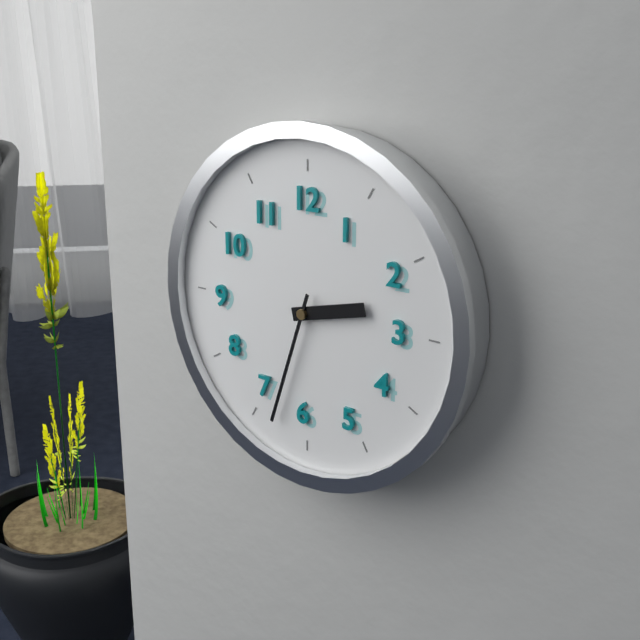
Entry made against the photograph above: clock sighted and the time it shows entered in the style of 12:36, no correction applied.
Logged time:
2:33
